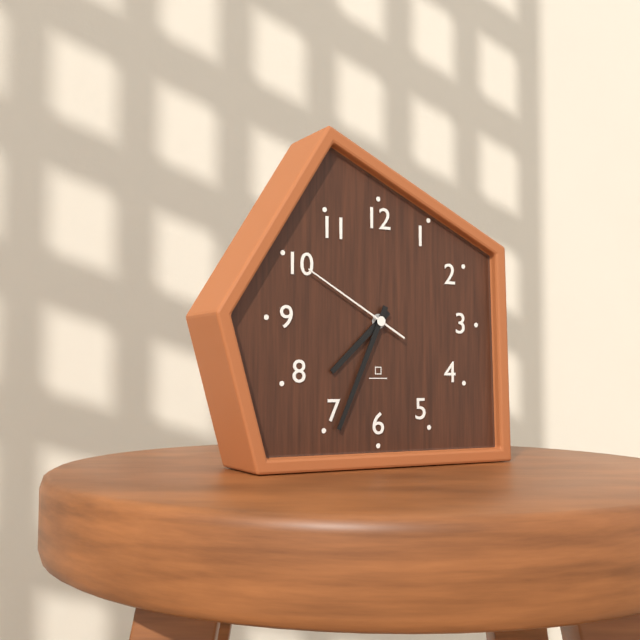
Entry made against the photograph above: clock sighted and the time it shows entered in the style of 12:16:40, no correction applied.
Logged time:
7:34:50
